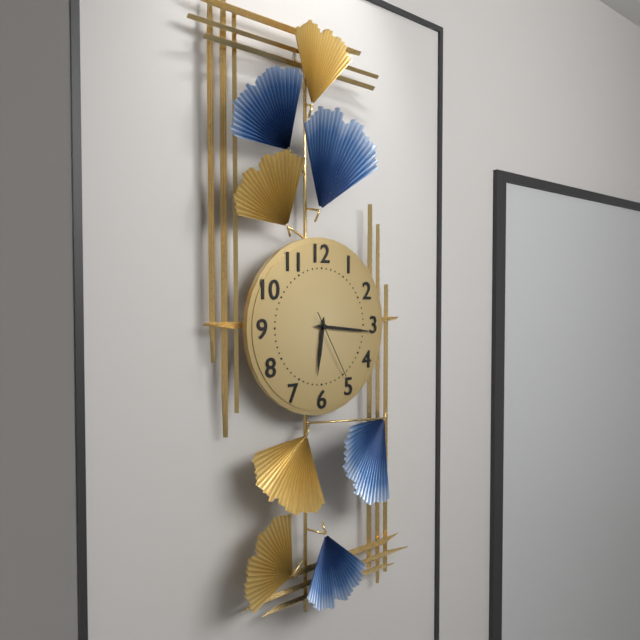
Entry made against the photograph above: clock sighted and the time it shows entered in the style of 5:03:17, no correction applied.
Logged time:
6:16:25
